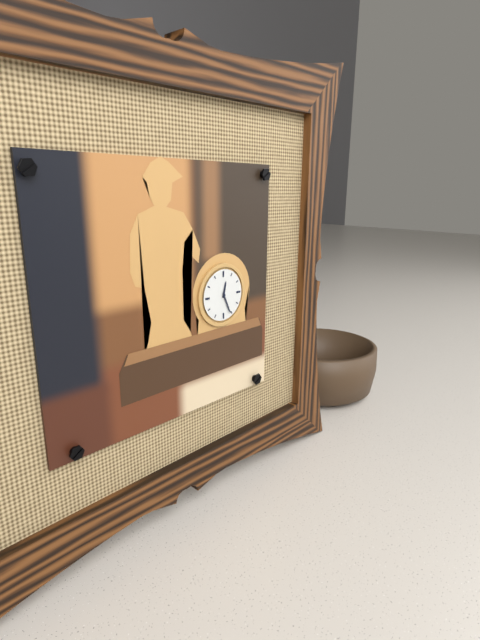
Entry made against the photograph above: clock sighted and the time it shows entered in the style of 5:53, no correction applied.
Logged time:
12:26
